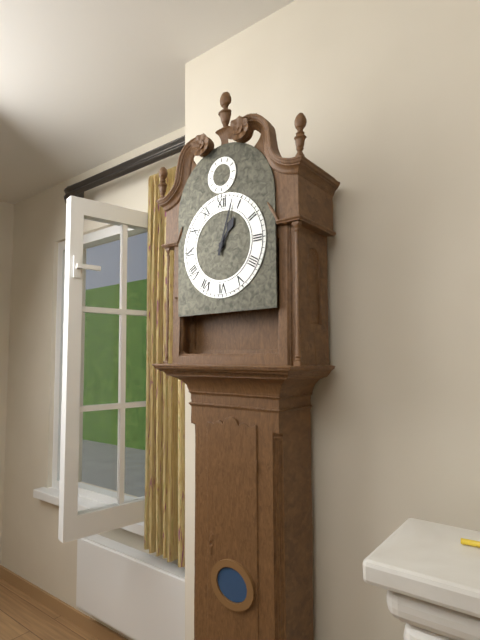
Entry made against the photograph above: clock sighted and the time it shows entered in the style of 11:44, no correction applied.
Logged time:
1:03
